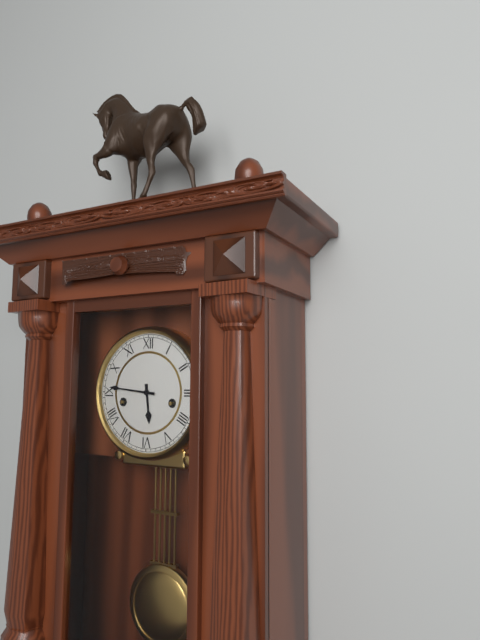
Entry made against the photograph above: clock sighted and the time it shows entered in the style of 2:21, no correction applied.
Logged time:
5:46
